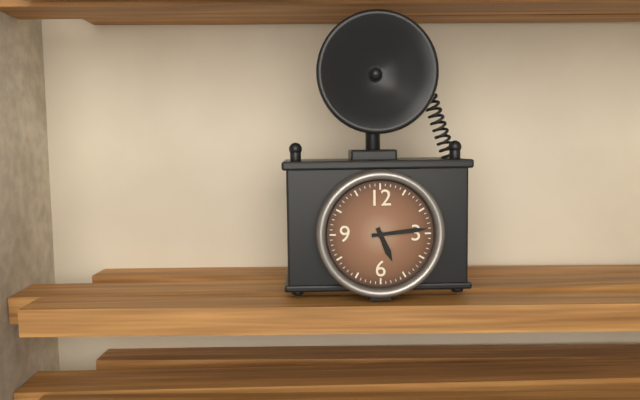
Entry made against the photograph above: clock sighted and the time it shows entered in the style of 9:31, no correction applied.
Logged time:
5:14
